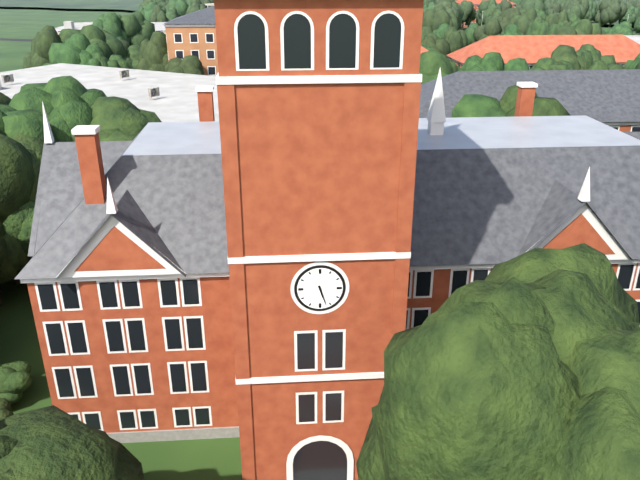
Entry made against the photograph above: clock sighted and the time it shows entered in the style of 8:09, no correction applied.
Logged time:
5:27
